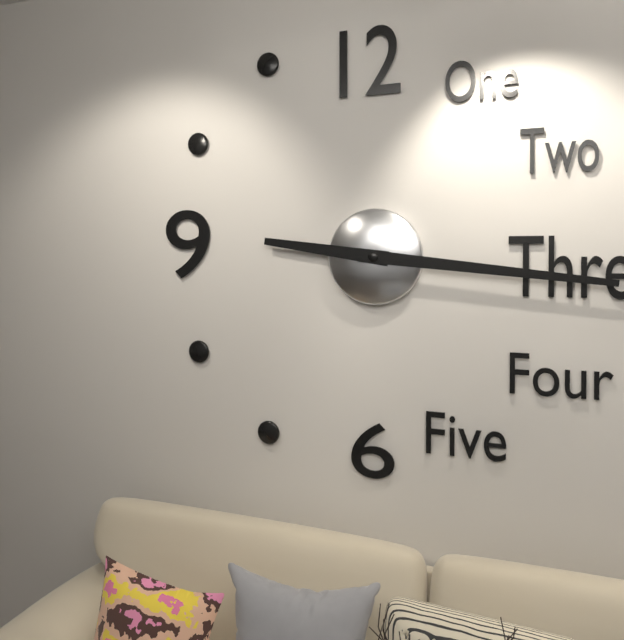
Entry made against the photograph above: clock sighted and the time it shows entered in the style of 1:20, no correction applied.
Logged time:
9:16
